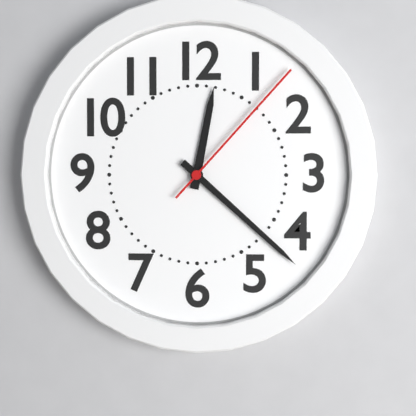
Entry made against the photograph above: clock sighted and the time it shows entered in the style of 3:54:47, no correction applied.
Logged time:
12:22:07
